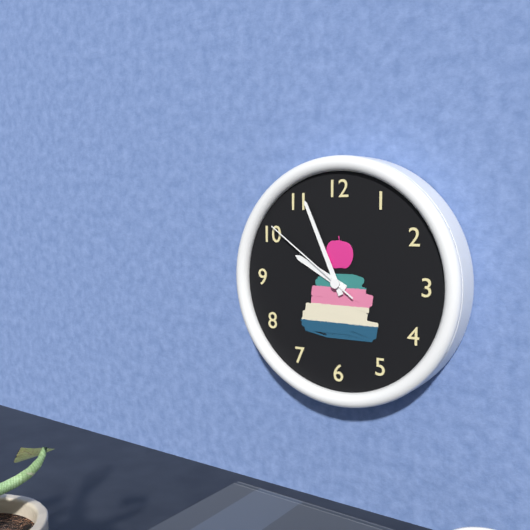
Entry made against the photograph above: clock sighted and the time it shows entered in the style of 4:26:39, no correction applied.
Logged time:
9:56:51
